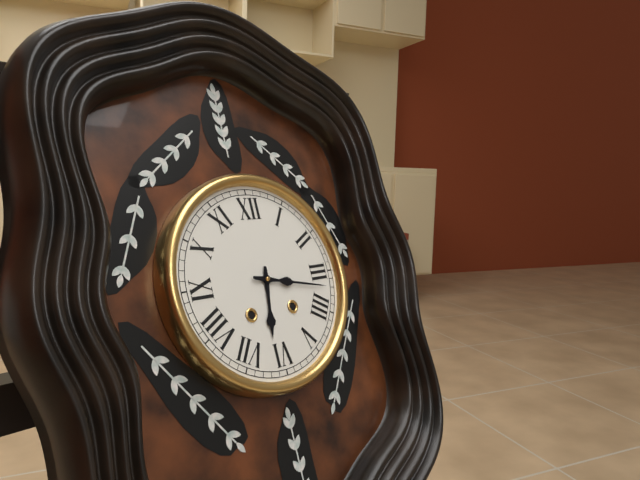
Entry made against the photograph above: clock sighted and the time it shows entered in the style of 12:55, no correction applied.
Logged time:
6:17
